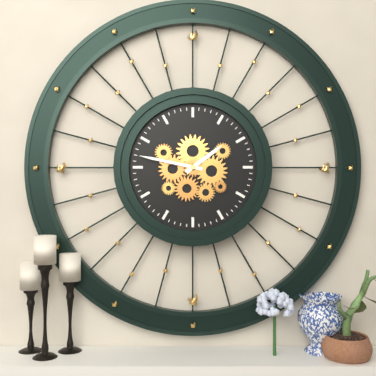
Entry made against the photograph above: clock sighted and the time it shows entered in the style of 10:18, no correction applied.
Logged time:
1:47
